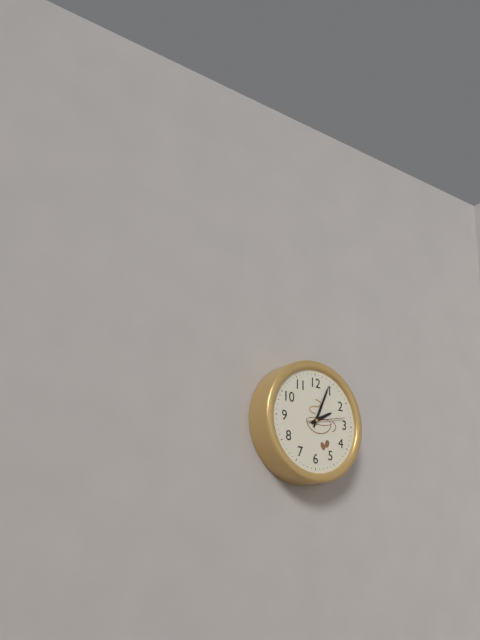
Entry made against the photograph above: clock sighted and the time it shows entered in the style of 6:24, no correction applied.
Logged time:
2:04
